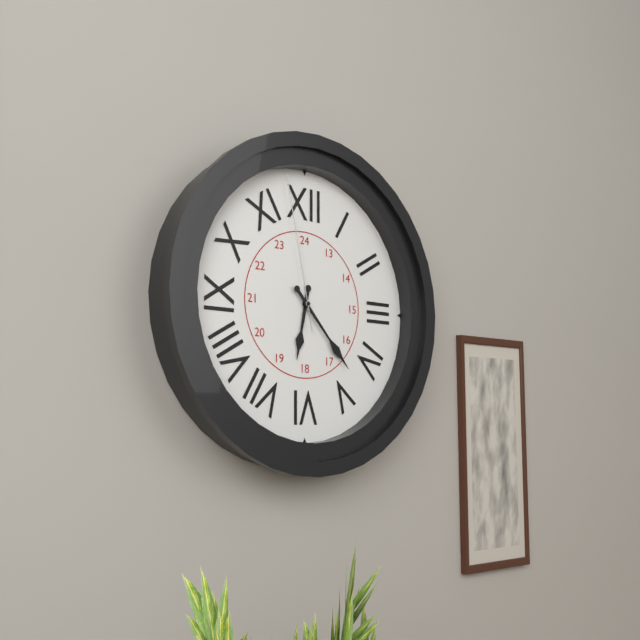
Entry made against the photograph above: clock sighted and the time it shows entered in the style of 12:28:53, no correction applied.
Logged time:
6:23:58
